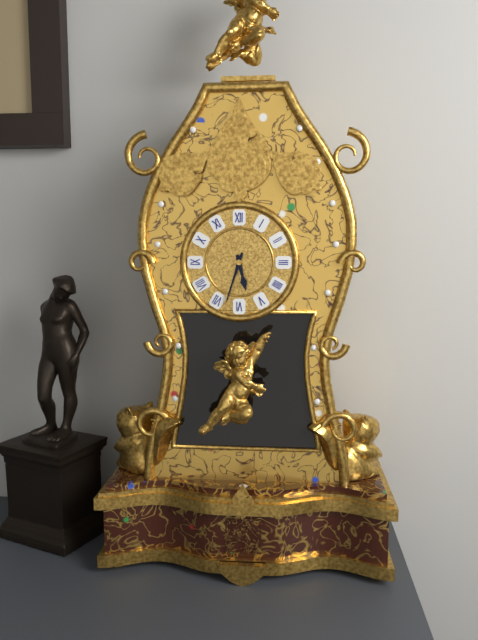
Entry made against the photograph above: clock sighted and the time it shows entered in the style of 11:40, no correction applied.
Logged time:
5:33
